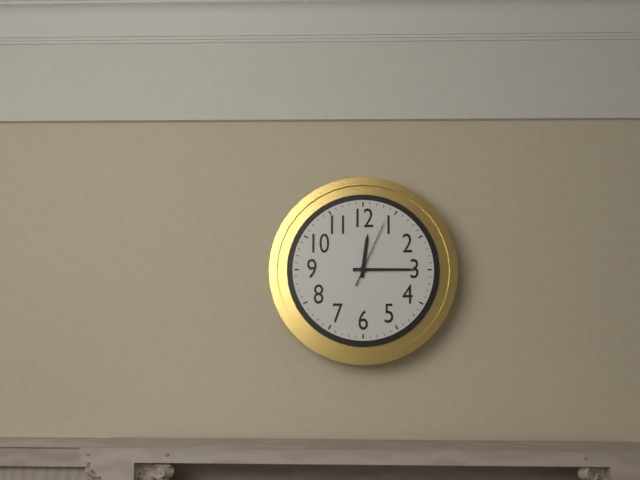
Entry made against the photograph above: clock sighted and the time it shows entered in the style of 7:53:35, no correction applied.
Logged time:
12:15:04
